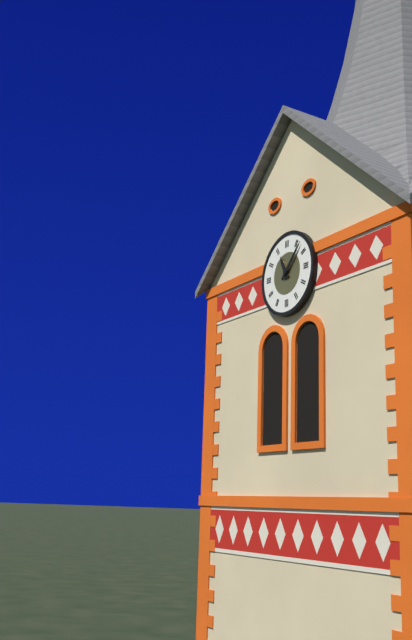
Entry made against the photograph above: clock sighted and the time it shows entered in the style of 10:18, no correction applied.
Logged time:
11:07
